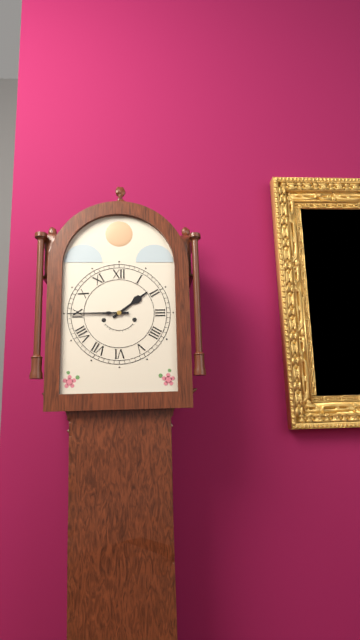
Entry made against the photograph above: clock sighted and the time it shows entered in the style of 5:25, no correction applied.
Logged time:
1:45
